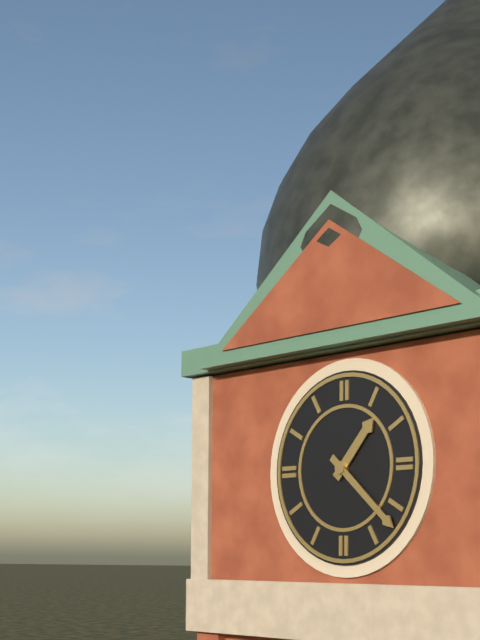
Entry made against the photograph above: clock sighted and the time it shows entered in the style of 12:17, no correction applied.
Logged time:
1:22
